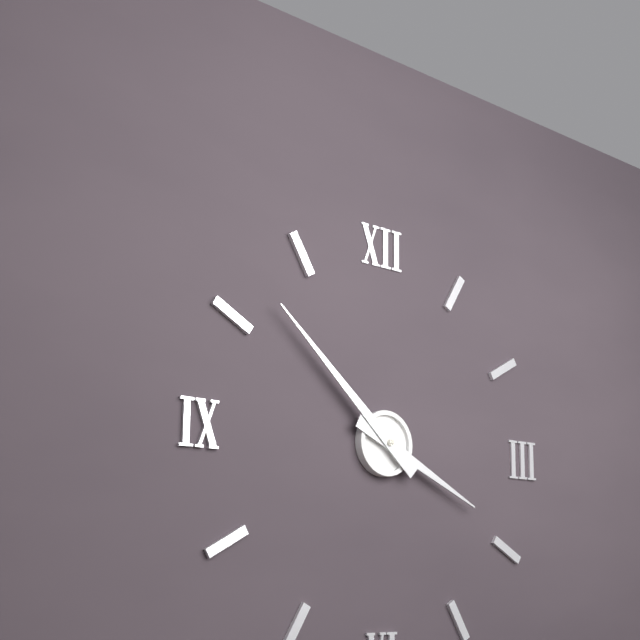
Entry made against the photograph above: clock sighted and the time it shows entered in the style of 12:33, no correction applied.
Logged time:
3:52
